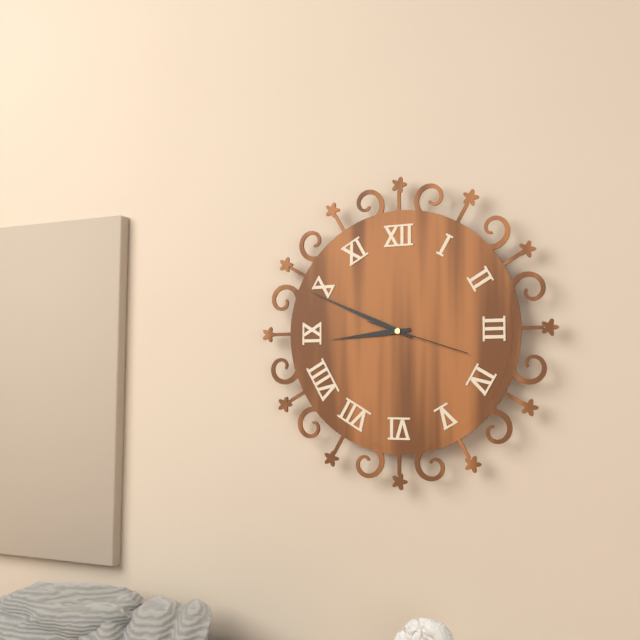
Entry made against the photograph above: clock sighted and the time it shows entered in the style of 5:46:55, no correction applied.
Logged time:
8:49:18
